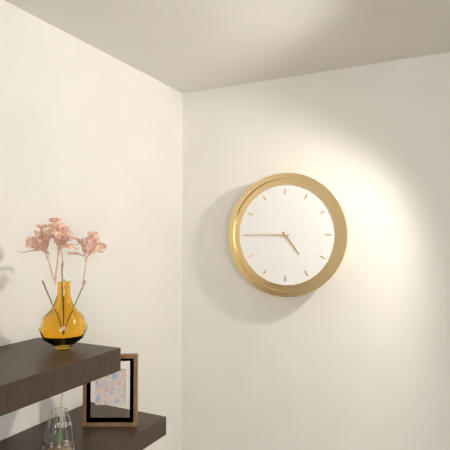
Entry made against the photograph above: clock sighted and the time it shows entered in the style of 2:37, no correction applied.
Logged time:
4:45
